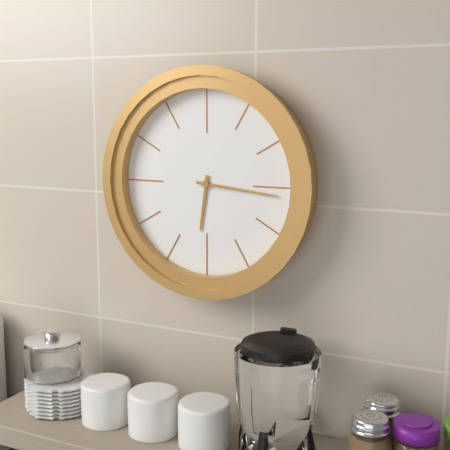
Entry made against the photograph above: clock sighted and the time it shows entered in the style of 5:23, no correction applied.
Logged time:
6:16
